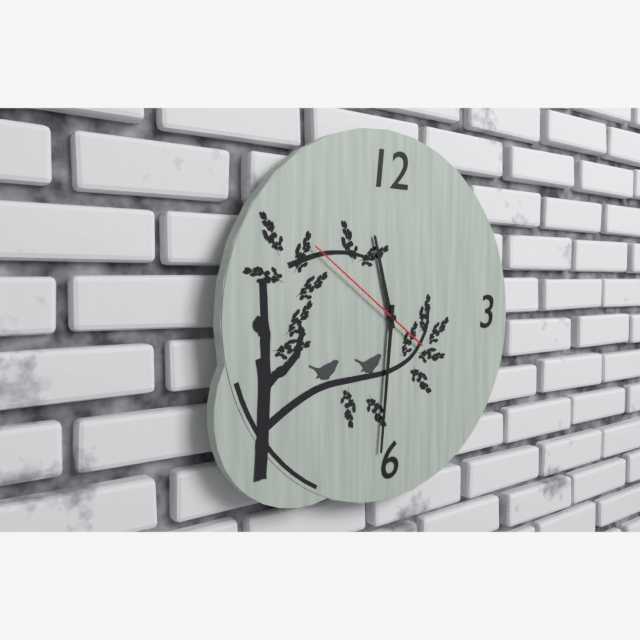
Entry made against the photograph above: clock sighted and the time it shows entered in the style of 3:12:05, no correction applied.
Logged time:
11:31:51
